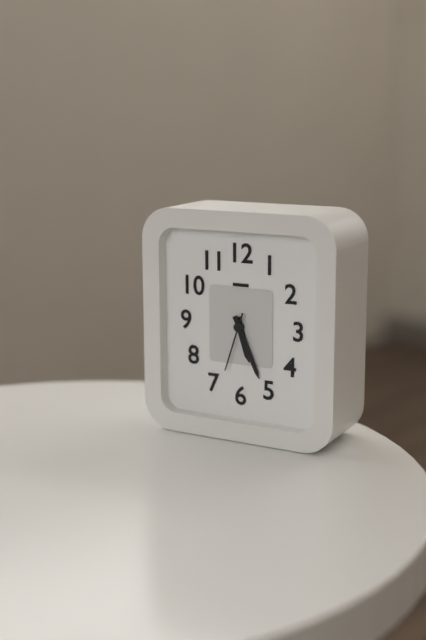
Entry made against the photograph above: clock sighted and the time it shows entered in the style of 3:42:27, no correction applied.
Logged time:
5:26:33
